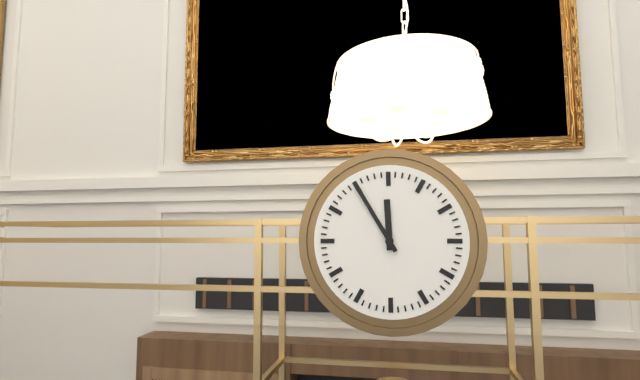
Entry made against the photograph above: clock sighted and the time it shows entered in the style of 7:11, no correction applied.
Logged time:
11:55
